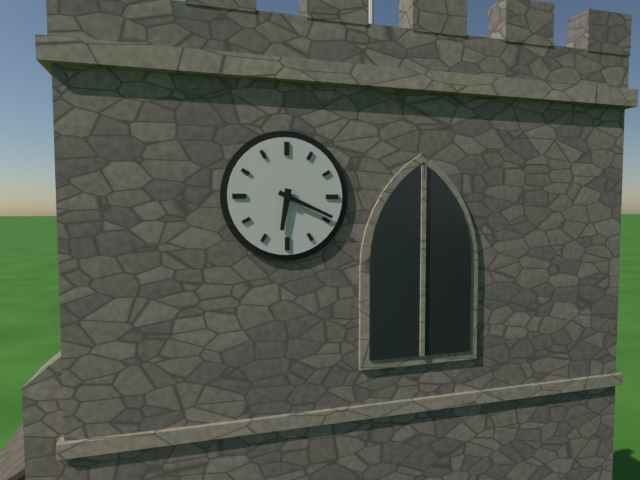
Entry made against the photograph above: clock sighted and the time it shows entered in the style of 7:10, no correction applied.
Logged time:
6:19
